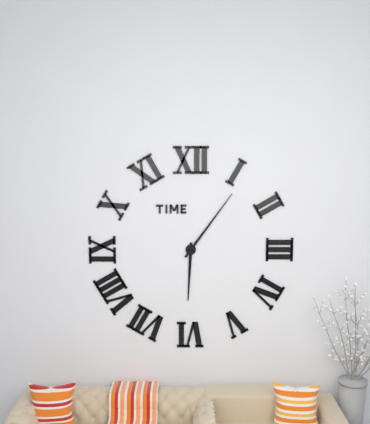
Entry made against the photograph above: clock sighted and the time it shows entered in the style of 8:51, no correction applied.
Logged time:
6:06
